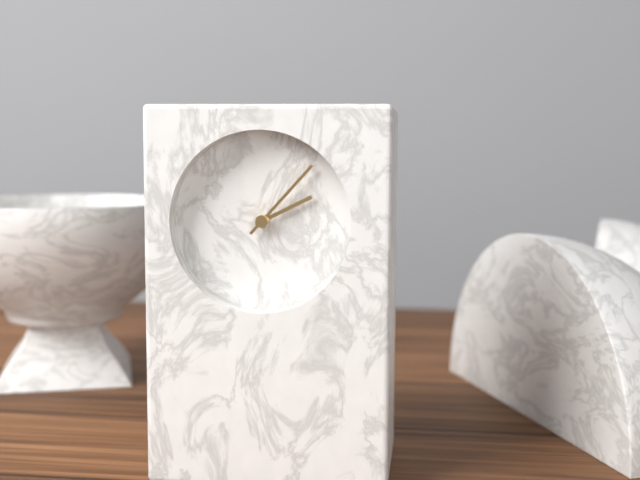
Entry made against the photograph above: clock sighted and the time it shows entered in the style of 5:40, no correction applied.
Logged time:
2:07
